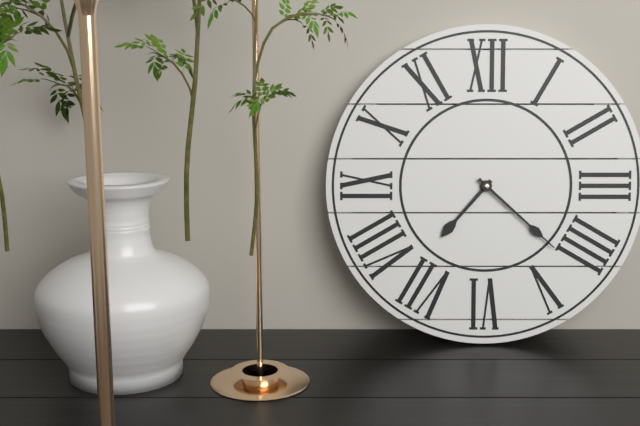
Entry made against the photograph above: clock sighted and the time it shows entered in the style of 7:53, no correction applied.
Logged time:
7:22
